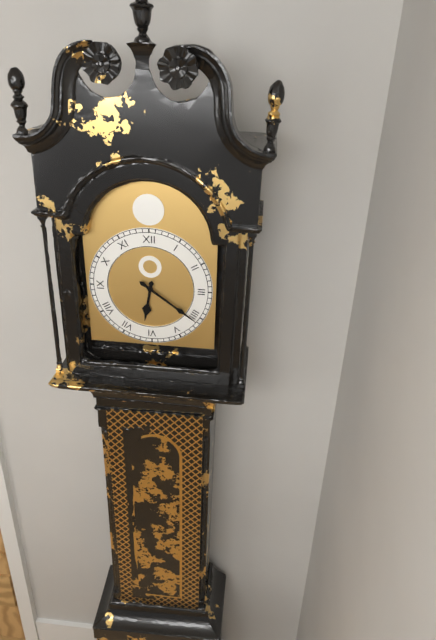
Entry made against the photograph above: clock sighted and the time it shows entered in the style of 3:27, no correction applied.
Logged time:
6:21
